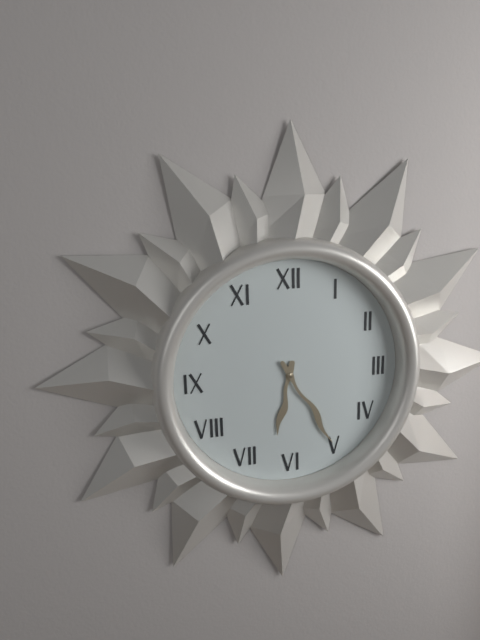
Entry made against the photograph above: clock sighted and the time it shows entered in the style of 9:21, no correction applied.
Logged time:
6:25
